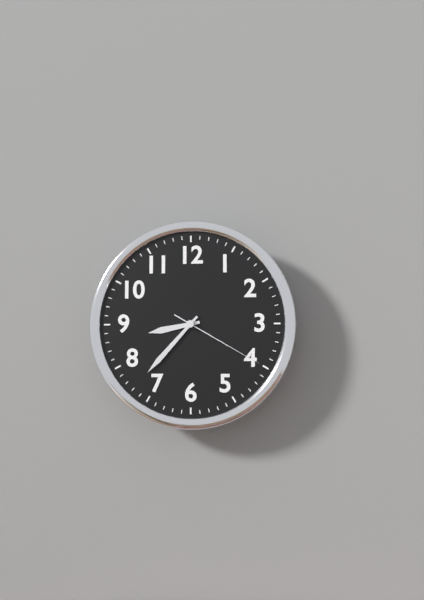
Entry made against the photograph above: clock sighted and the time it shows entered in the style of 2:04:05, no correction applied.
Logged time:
8:37:20
